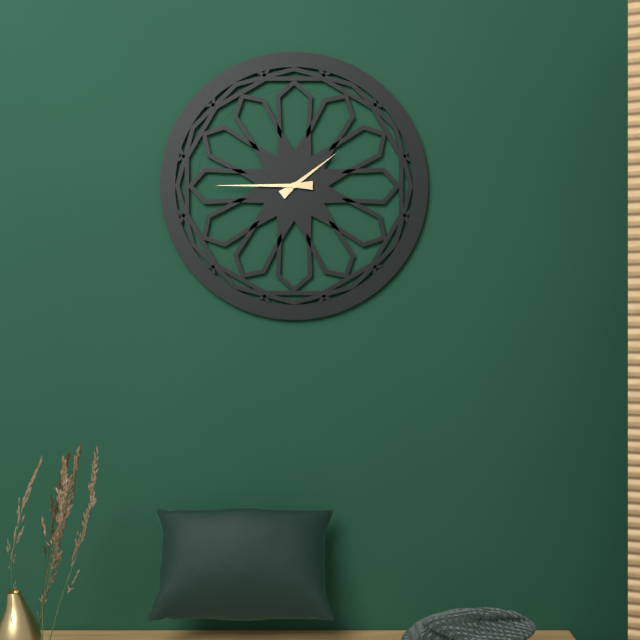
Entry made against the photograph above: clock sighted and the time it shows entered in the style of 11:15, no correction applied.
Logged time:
1:45
